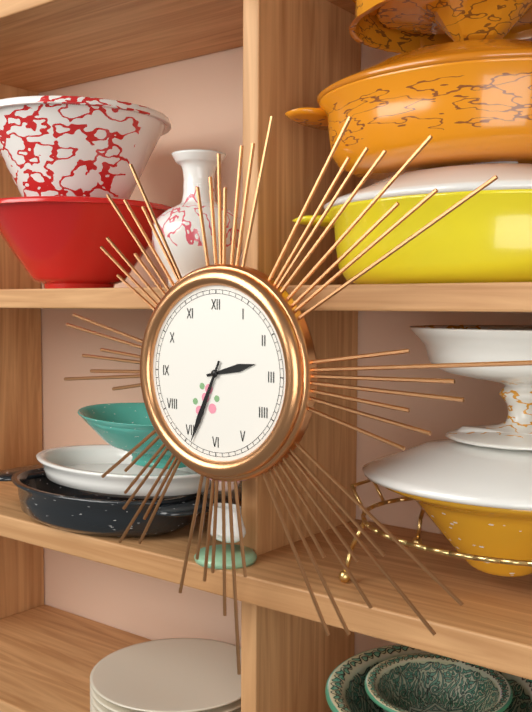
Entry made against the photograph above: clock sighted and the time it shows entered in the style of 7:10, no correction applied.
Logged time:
2:34
